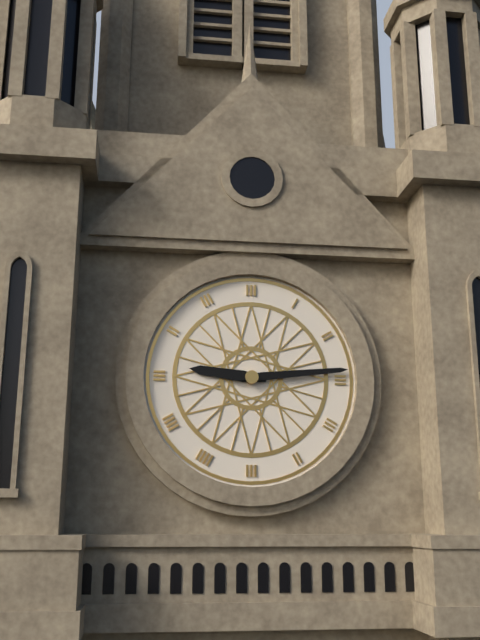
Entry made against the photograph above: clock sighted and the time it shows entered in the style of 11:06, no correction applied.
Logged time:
9:14
